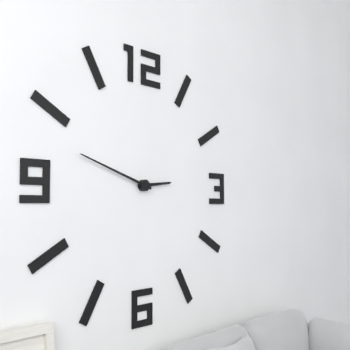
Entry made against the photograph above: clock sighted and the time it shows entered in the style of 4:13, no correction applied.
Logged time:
2:48
